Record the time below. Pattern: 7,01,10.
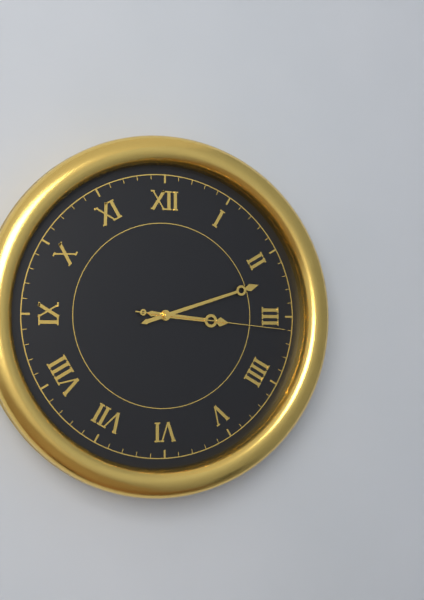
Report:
3,12,16
